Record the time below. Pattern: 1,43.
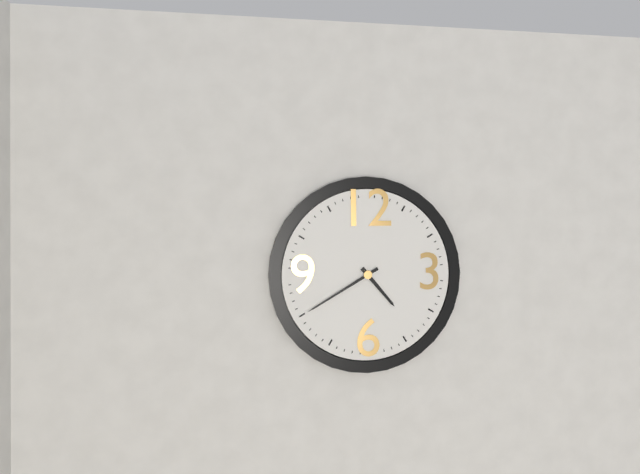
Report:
4,40
